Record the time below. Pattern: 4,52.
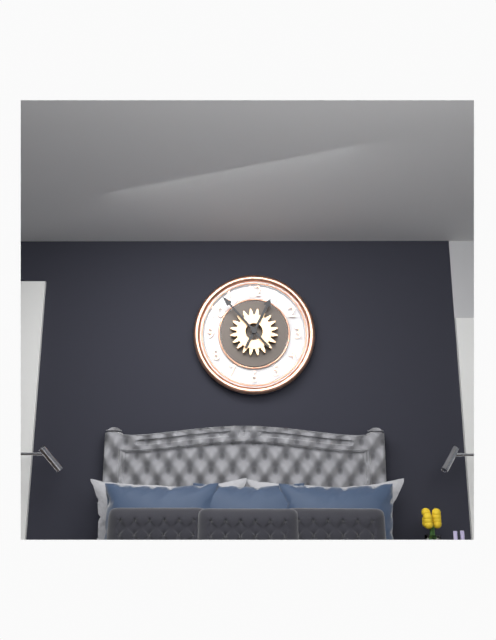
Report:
12,53
